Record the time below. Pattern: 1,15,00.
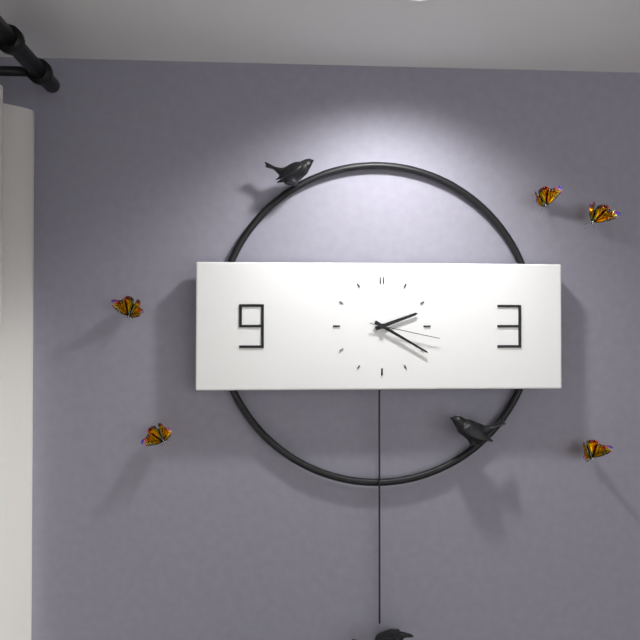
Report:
2,20,17
